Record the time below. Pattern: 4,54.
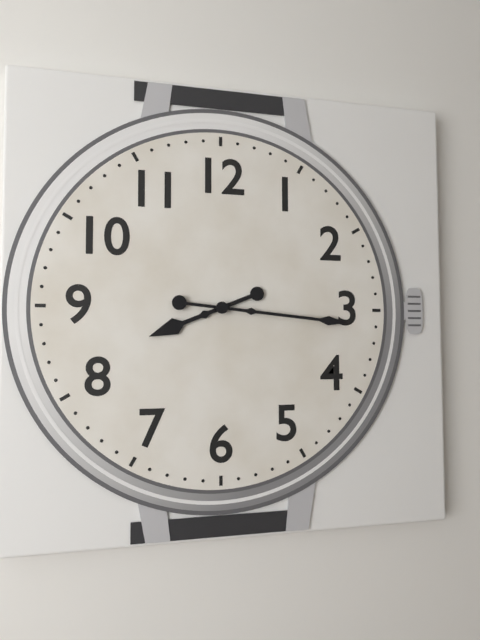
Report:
8,16
